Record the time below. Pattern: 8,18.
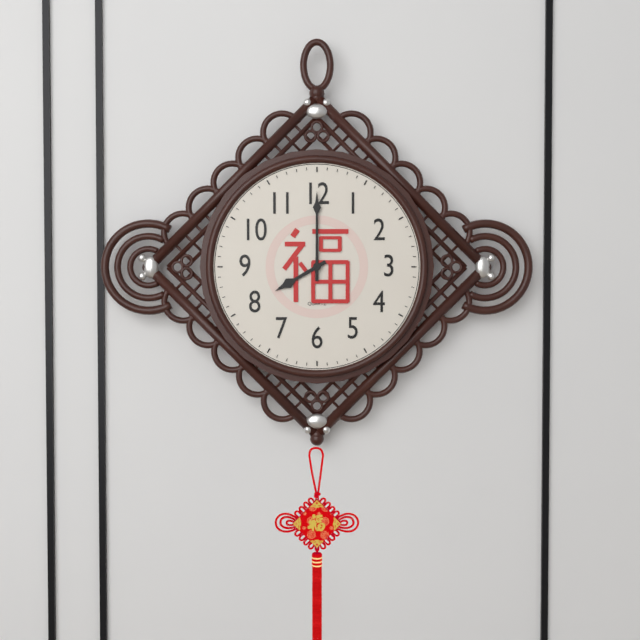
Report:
8,00
